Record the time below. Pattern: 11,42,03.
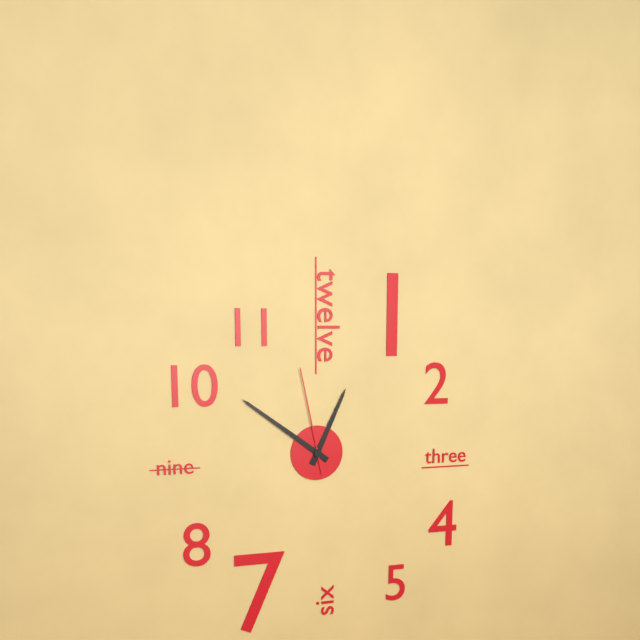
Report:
12,51,58
